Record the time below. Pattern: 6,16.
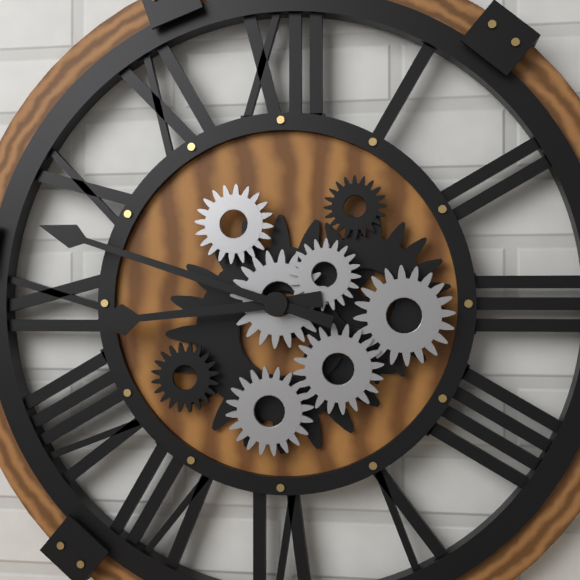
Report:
8,48
